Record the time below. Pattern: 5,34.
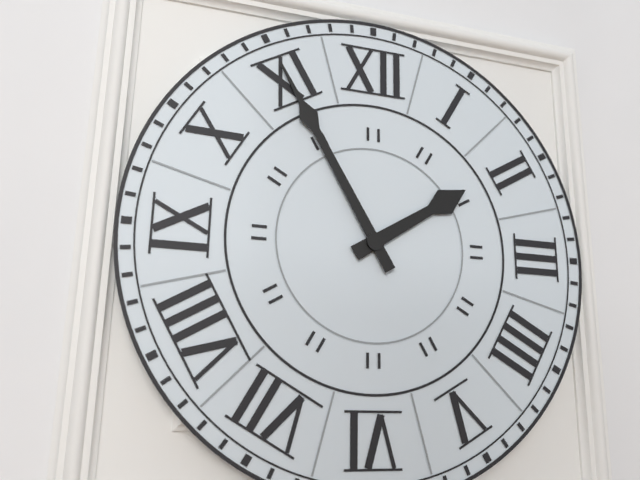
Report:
1,55
